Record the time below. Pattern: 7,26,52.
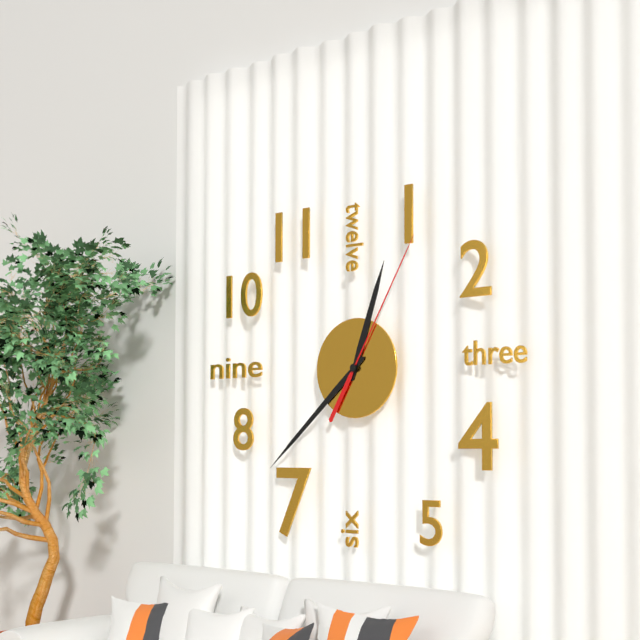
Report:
12,38,05
